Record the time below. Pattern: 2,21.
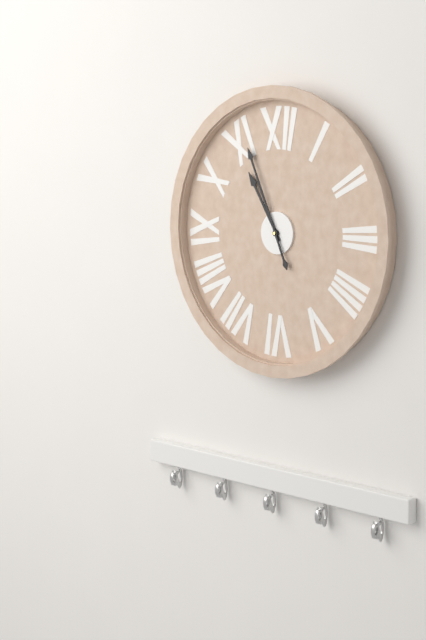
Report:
10,56
